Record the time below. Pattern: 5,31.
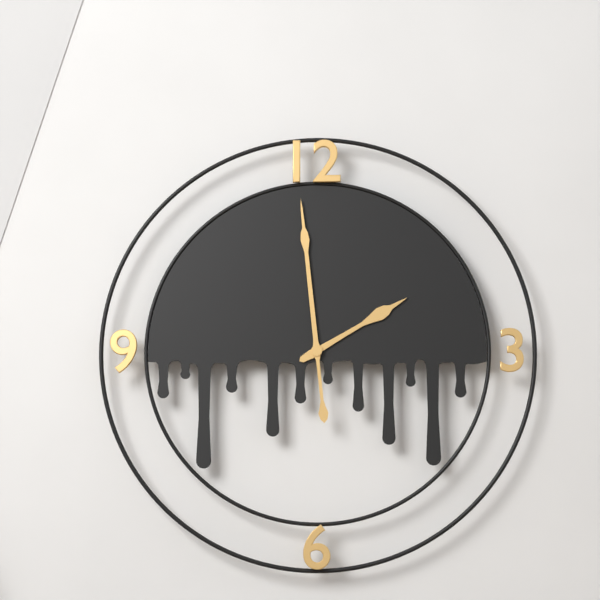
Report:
1,59
